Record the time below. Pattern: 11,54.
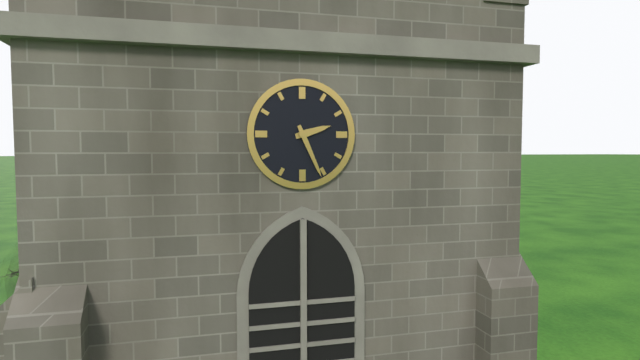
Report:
2,26
